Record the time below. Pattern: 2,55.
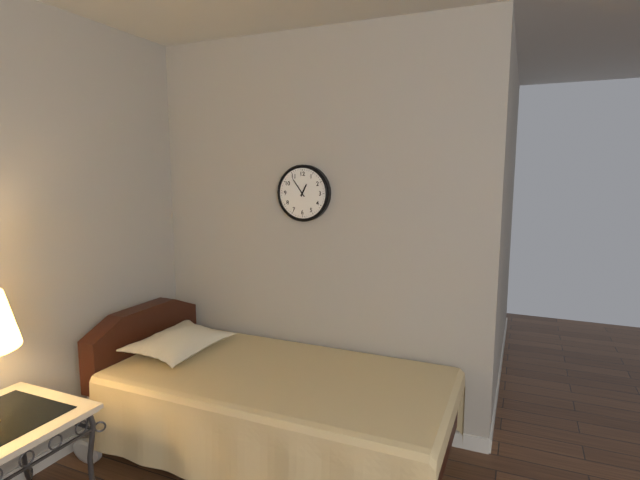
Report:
12,54
